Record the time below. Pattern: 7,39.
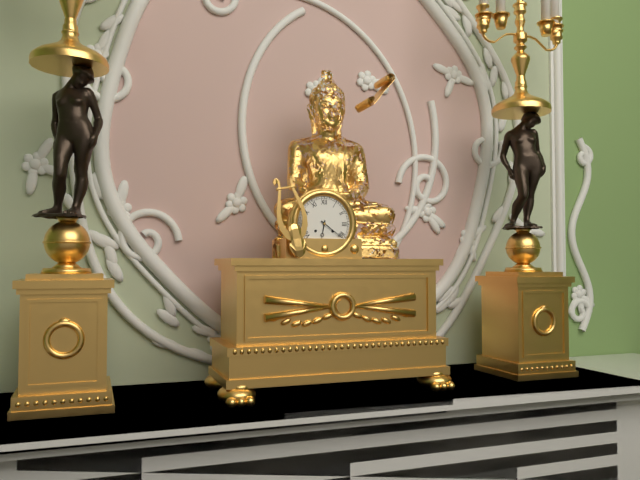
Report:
6,21
